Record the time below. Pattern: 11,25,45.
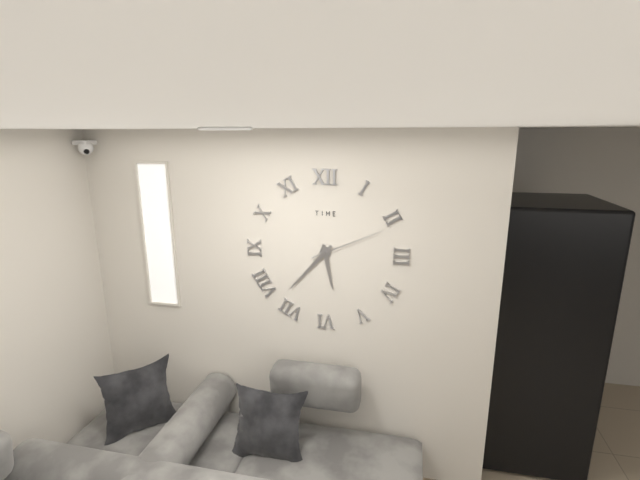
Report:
5,37,11
